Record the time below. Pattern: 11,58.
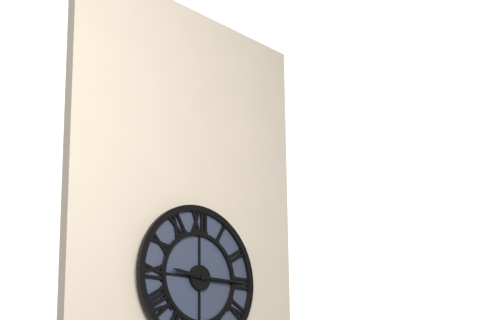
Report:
9,15
